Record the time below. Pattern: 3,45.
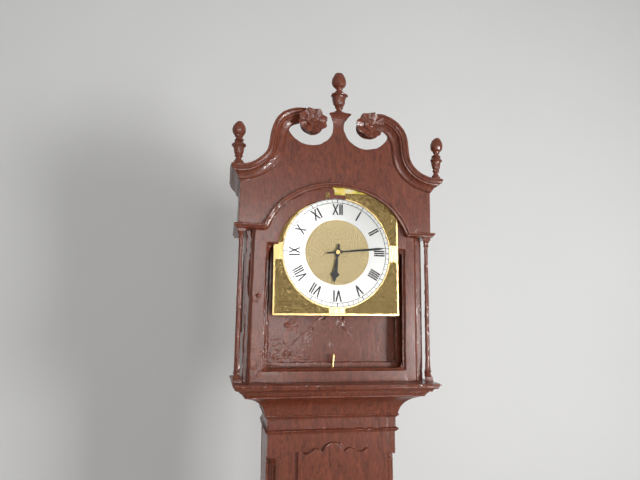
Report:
6,14
